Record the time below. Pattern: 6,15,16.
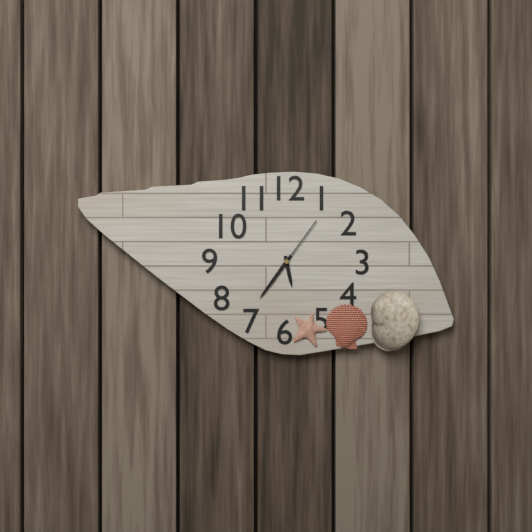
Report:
5,36,06
